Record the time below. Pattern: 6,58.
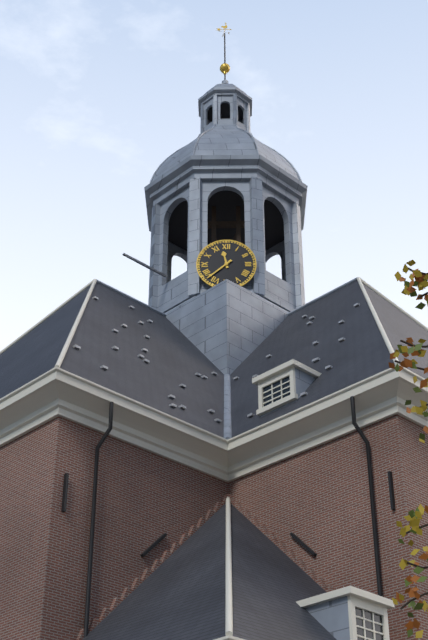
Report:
11,38
